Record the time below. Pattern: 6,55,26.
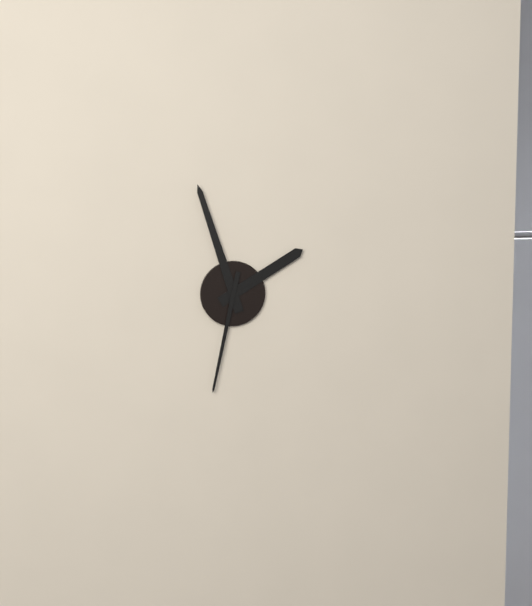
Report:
1,57,32
